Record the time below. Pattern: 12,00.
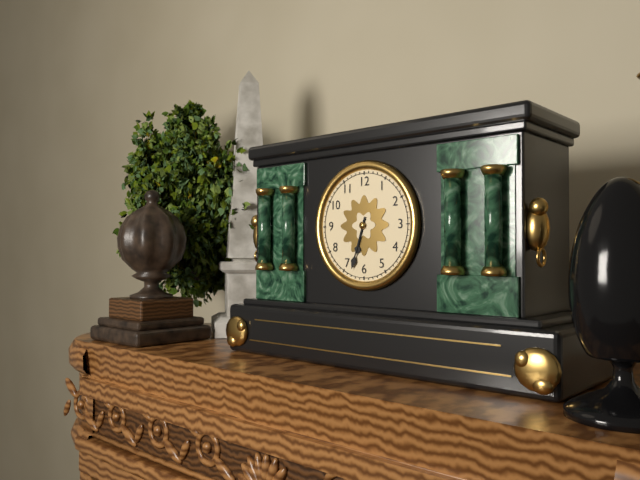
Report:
6,33
